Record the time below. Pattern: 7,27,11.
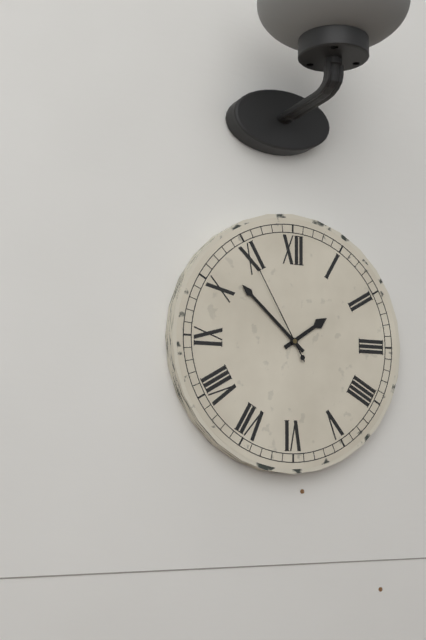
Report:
1,52,55
